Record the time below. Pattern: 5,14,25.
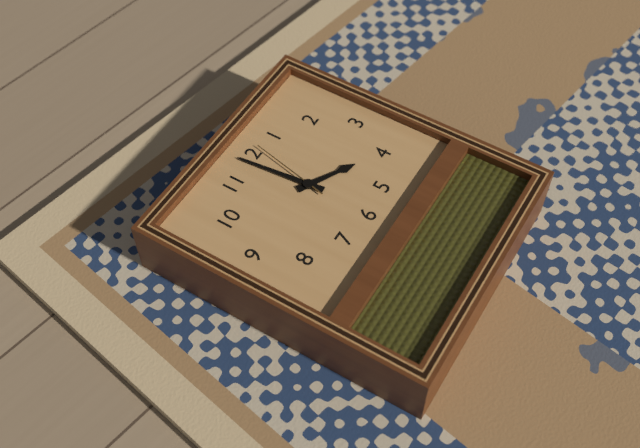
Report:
3,59,02
